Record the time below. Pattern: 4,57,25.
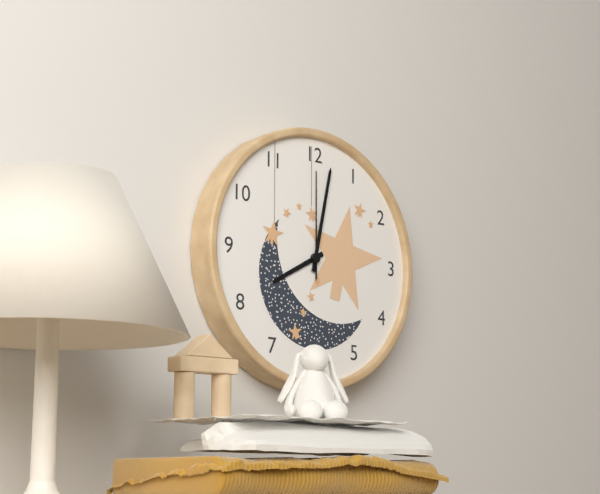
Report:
8,02,00
